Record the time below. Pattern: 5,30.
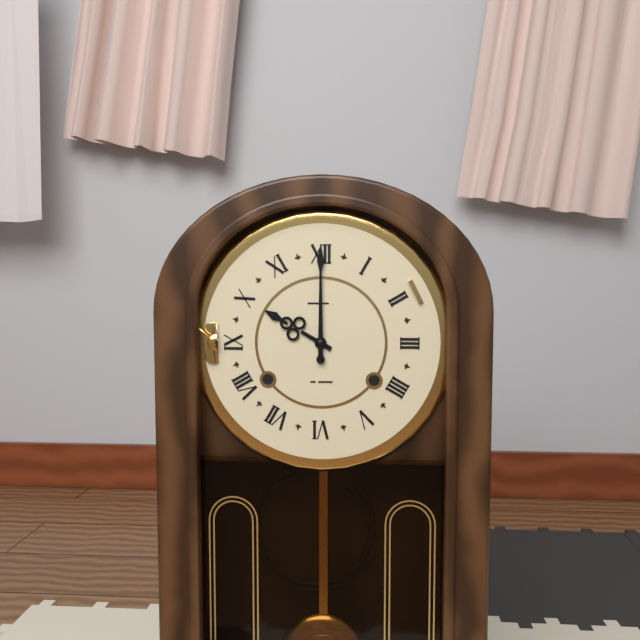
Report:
10,00
